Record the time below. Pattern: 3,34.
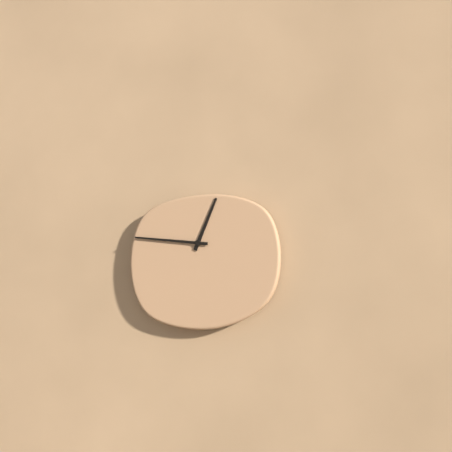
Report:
12,46
